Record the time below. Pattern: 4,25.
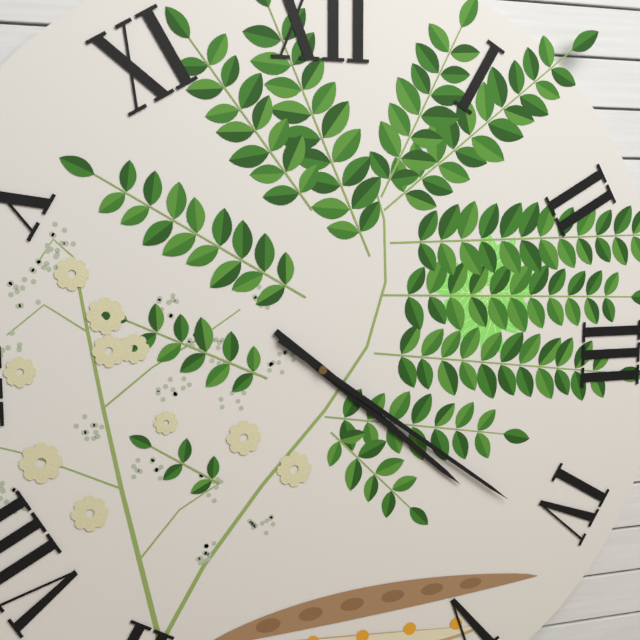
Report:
4,21
